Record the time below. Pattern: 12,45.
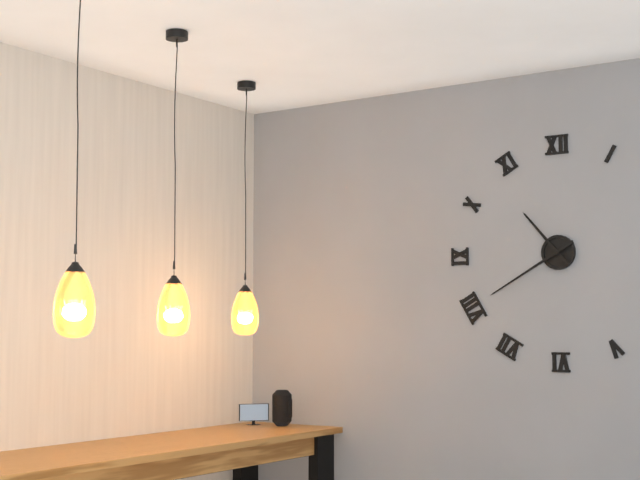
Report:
10,40
